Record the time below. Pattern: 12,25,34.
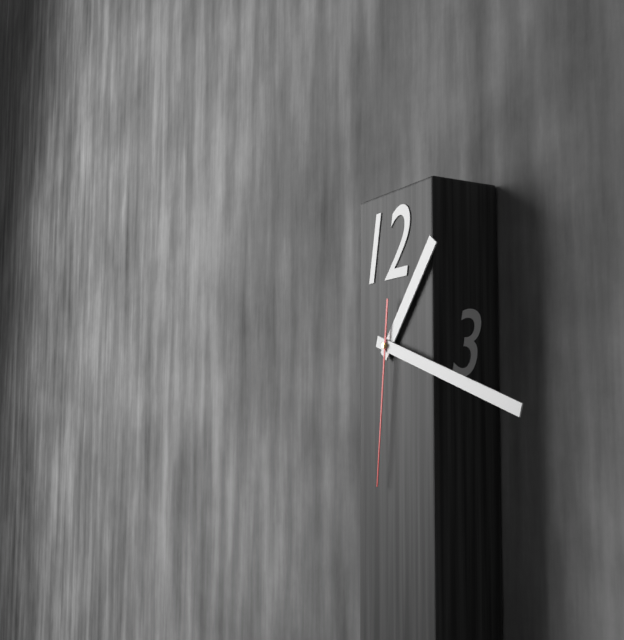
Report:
1,18,31
